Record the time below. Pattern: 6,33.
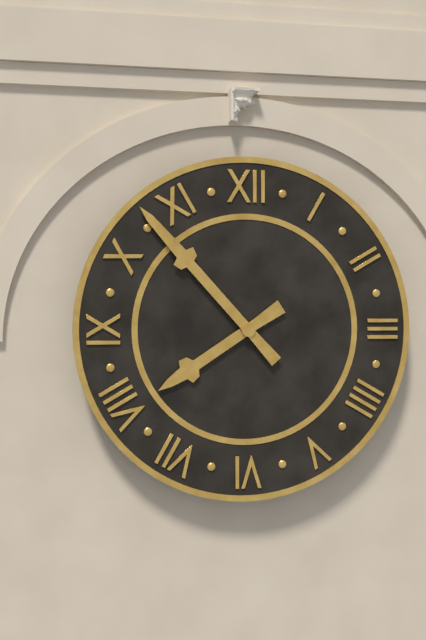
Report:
7,53
